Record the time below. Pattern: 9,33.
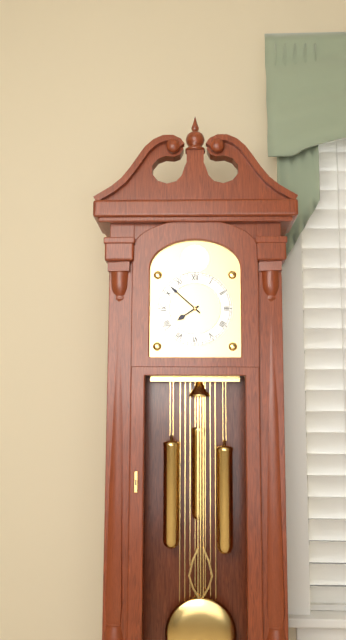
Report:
7,52
